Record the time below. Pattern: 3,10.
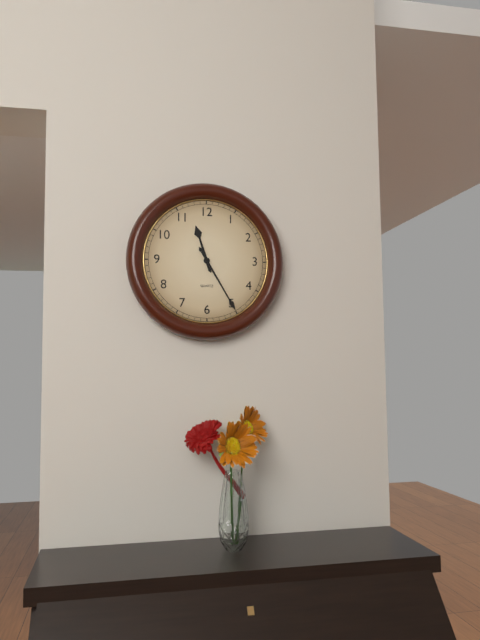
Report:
11,25
